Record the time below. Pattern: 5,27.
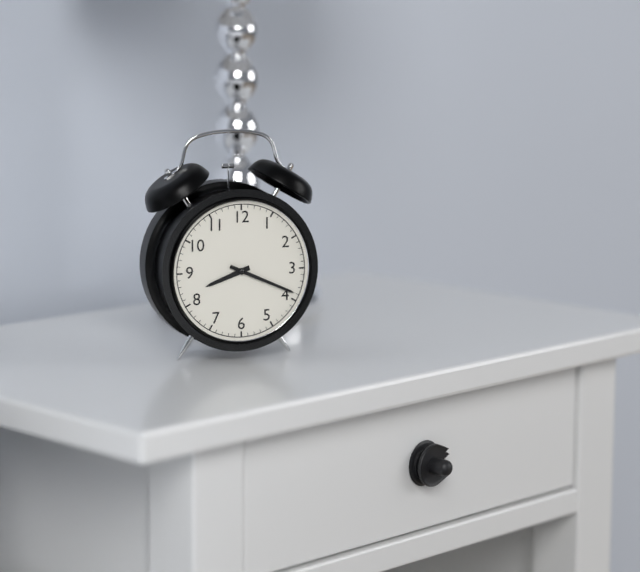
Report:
8,19
